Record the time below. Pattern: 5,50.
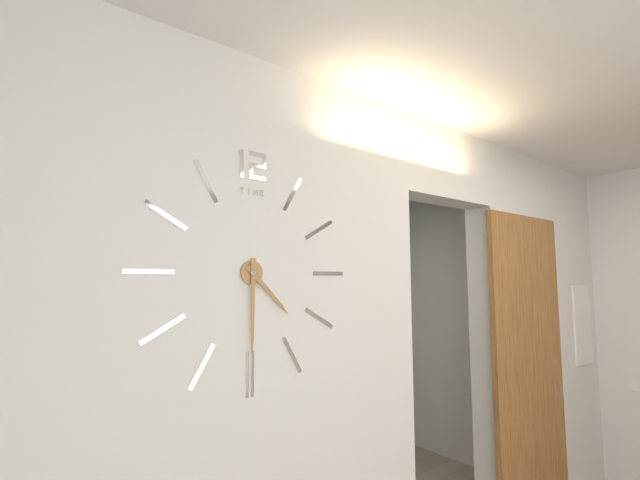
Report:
4,30
